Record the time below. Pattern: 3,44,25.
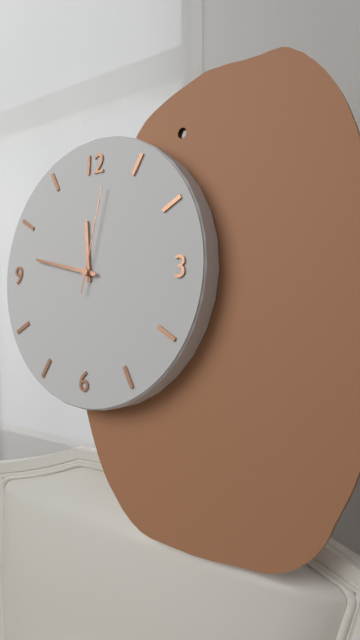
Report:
11,47,02
